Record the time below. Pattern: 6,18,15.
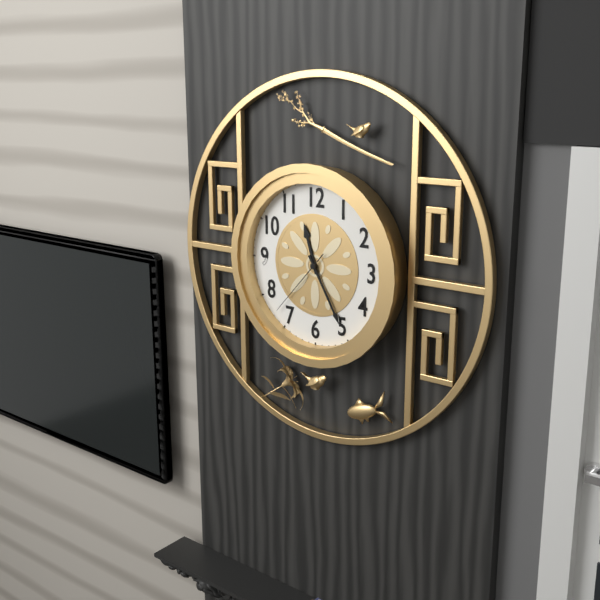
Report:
11,25,37
